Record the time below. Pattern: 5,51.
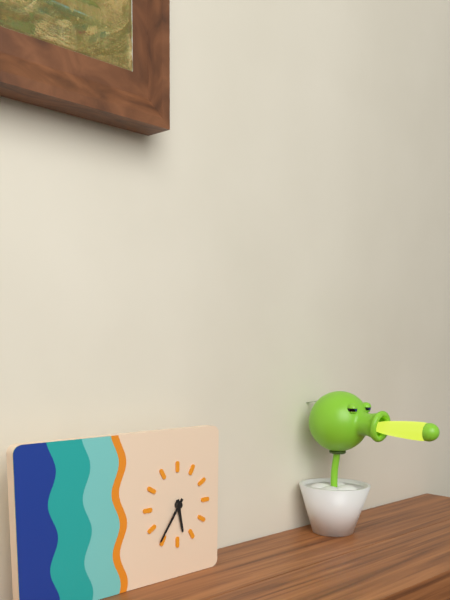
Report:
5,36
